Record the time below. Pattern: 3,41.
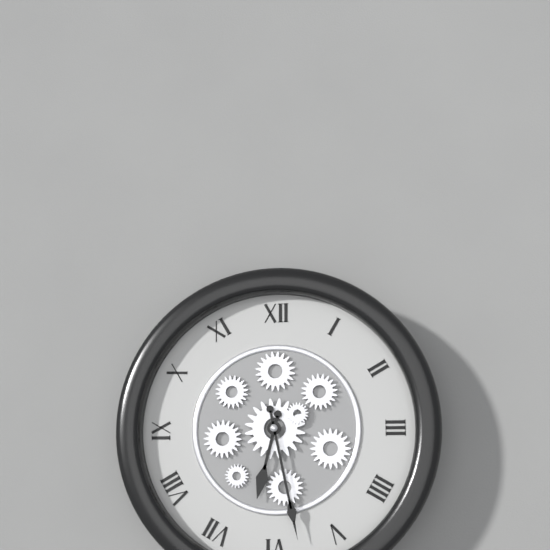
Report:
6,28
